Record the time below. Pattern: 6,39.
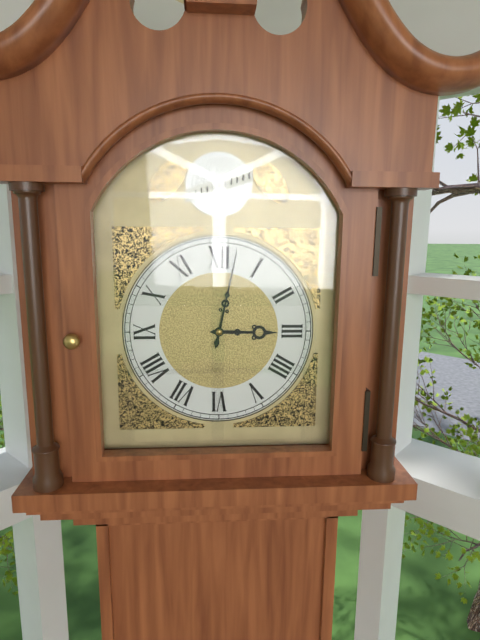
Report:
3,02
